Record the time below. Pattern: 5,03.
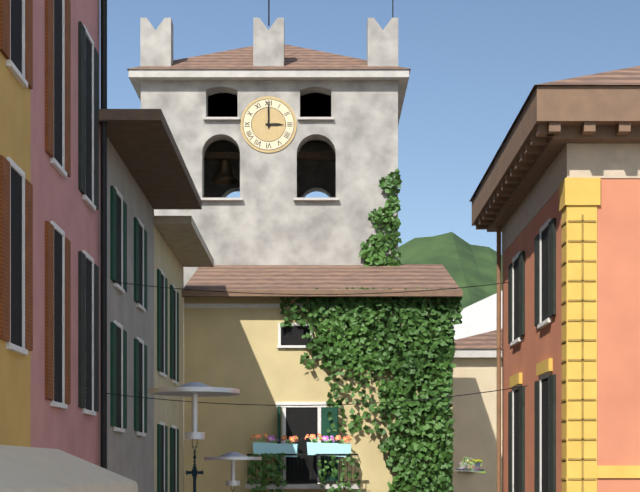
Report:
3,00
